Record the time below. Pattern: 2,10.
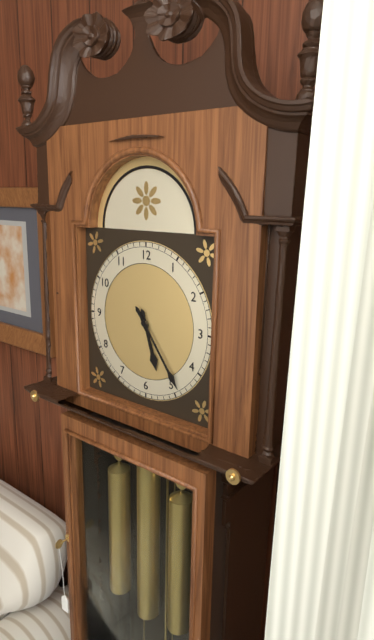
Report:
5,24
